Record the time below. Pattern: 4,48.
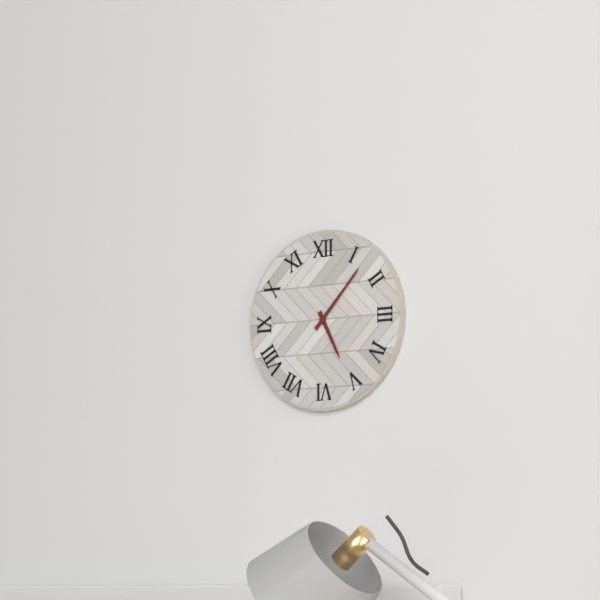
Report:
5,07
